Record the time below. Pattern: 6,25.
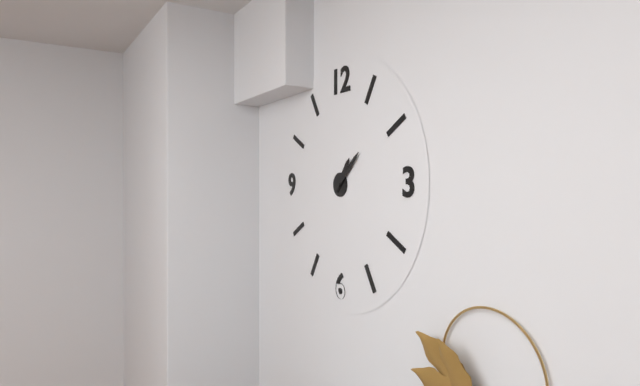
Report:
1,08
